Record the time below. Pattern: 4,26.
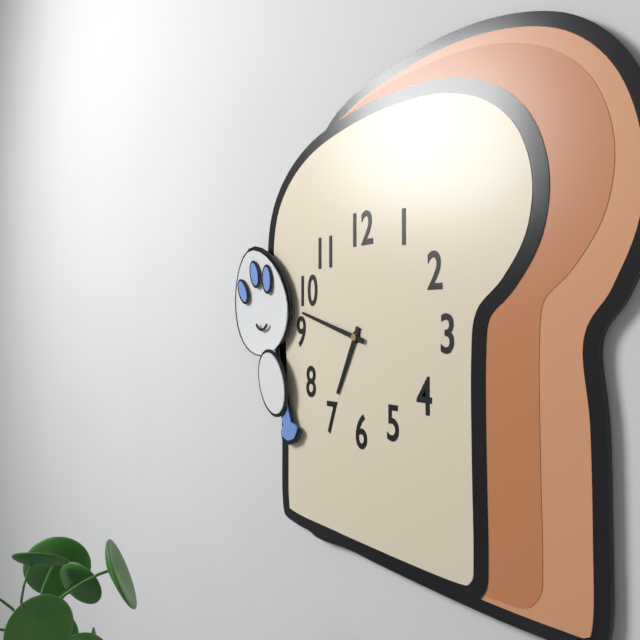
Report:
6,48
